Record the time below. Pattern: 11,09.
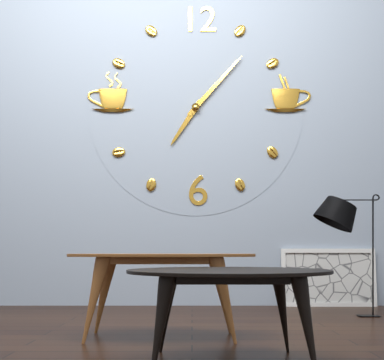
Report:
7,07
